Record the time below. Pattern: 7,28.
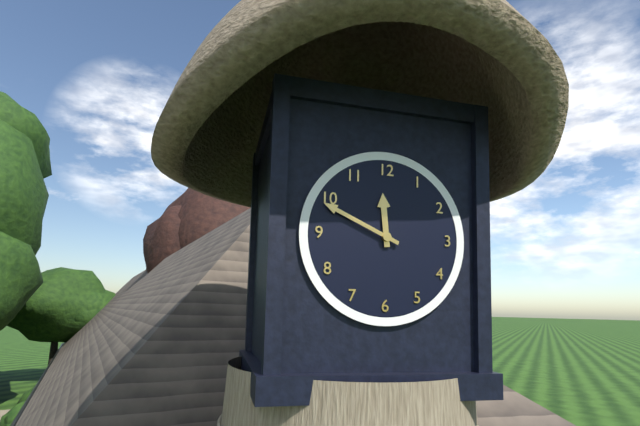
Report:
11,49
